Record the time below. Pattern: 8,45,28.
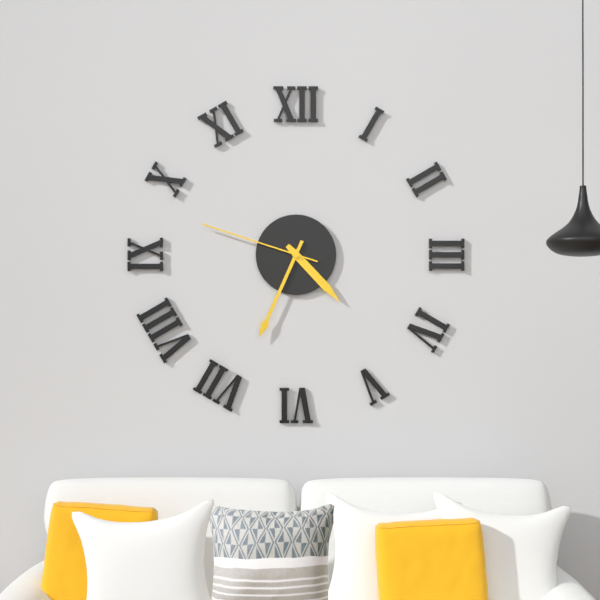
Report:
4,34,48
